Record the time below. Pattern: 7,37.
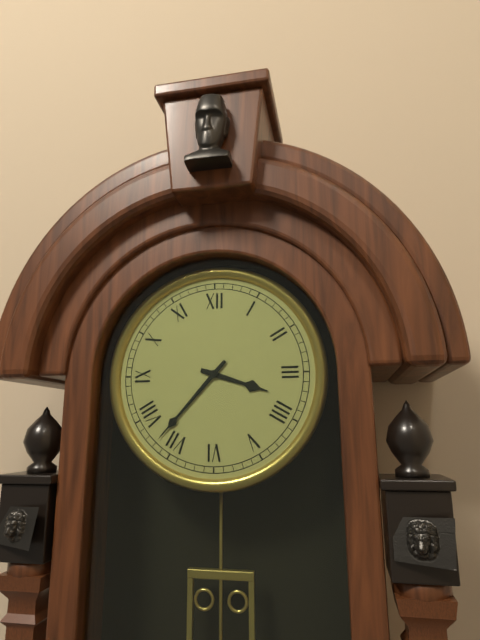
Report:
3,37
